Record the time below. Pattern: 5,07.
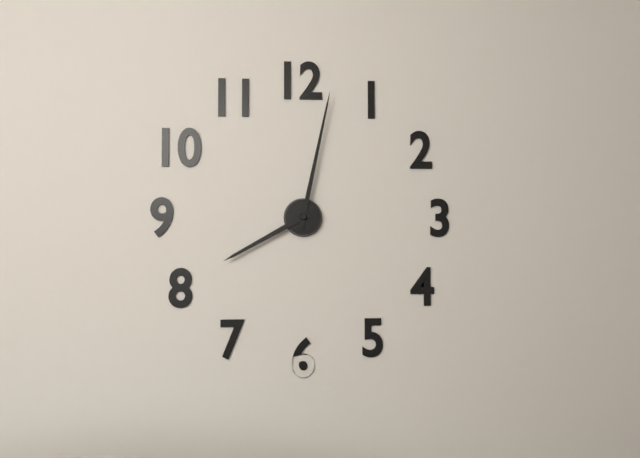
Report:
8,02
